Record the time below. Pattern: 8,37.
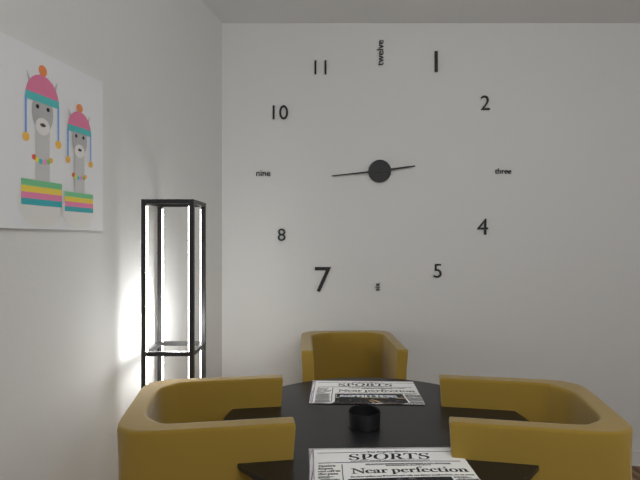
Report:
2,44
